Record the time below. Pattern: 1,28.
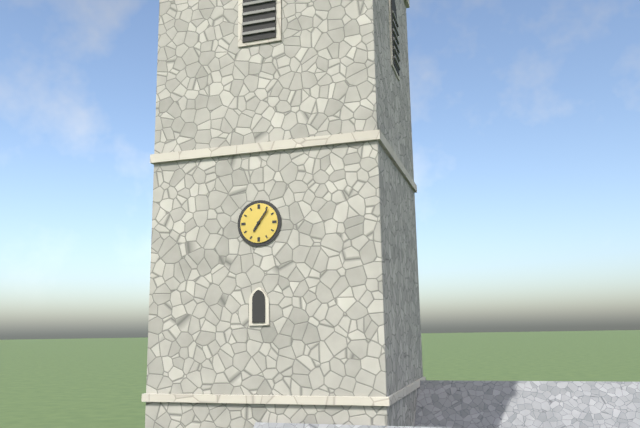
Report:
7,06
